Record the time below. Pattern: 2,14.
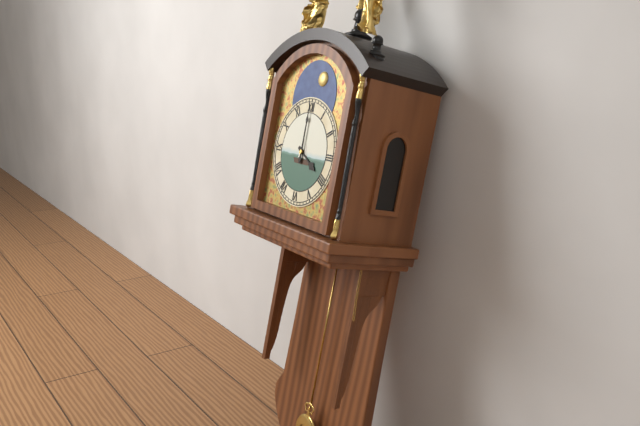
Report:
4,00
